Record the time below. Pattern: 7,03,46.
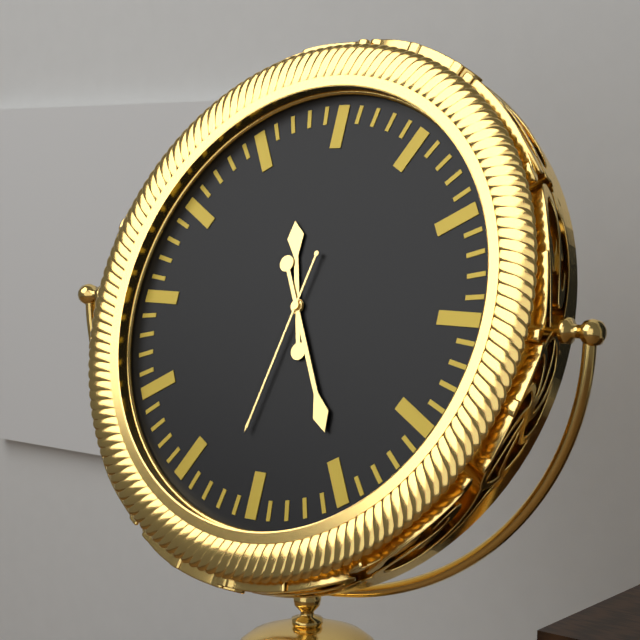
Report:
11,25,32
